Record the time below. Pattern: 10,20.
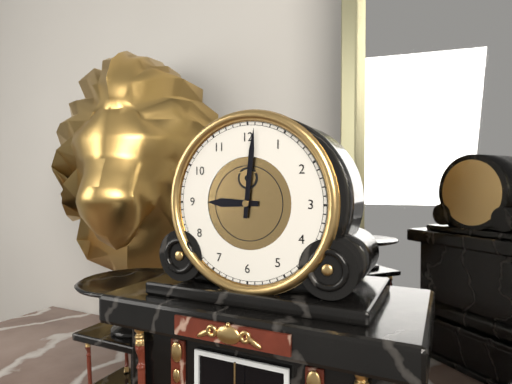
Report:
9,01
